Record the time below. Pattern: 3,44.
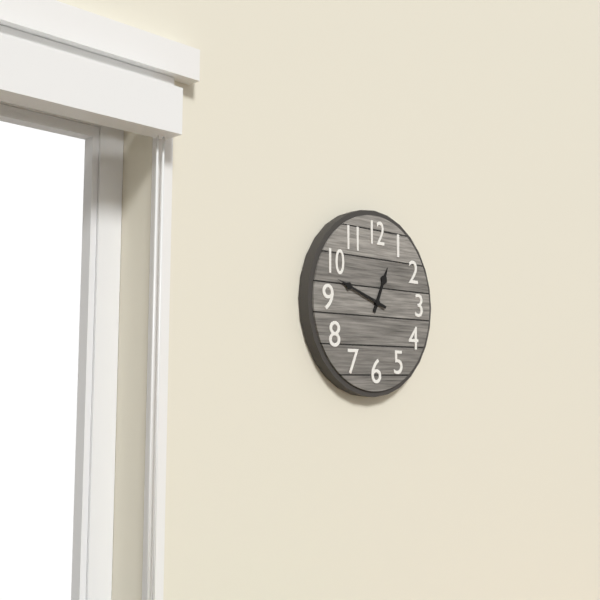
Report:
12,48
